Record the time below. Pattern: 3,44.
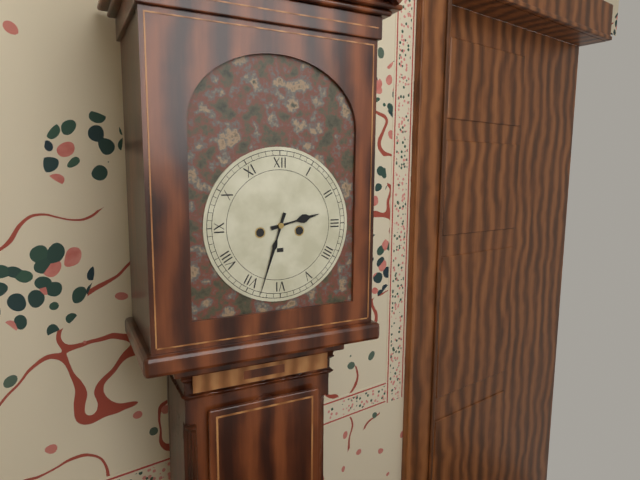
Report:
2,33
